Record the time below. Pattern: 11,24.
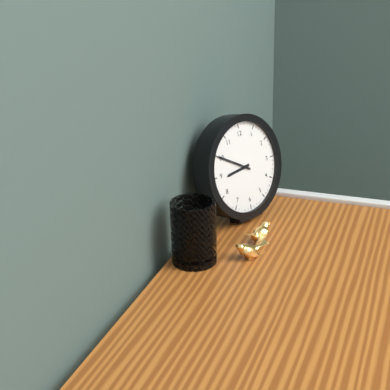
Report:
8,50
